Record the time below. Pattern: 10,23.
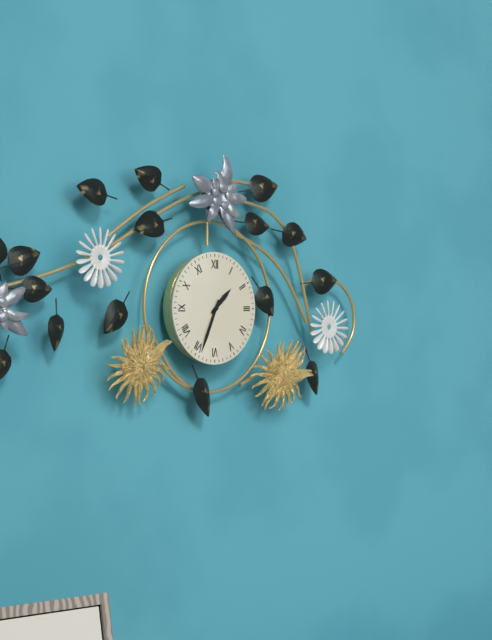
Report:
1,34
